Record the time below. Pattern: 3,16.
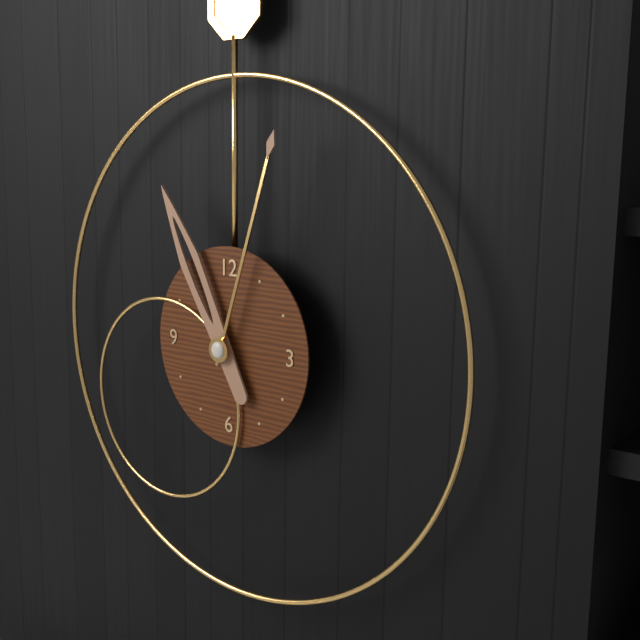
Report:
11,03
